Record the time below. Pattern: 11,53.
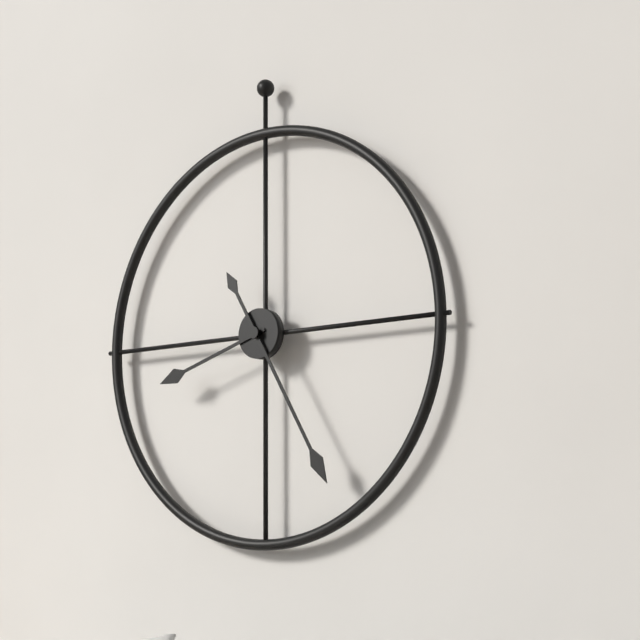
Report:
8,25
